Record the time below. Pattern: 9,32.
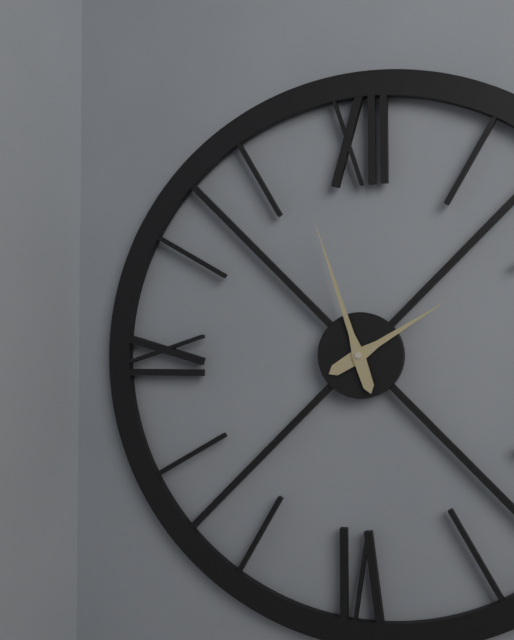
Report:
1,57
